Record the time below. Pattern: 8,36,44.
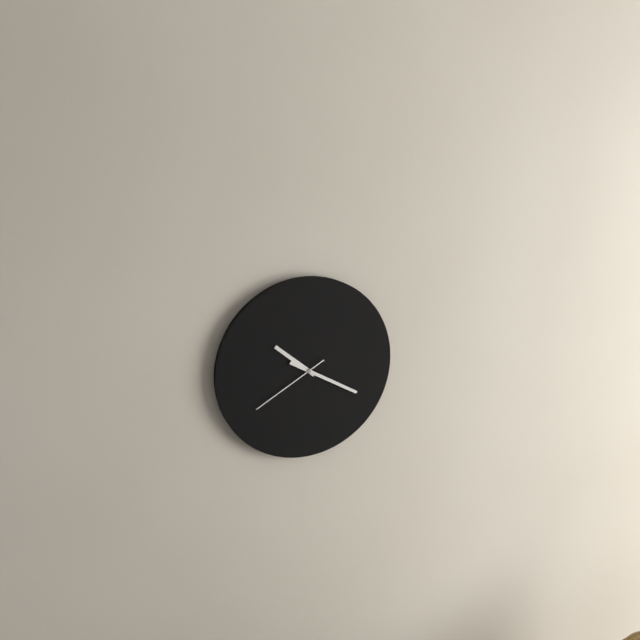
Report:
10,20,40
